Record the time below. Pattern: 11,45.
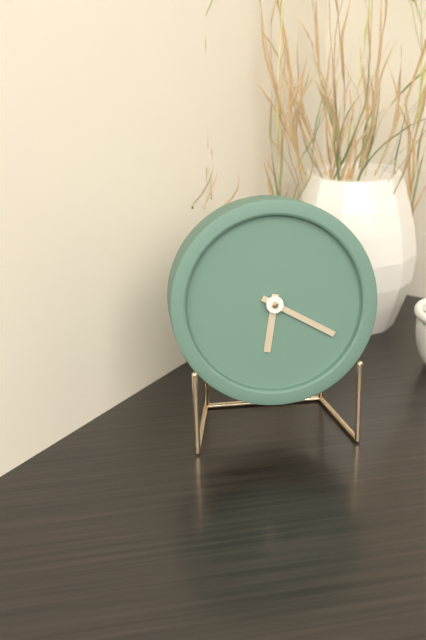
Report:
6,20
